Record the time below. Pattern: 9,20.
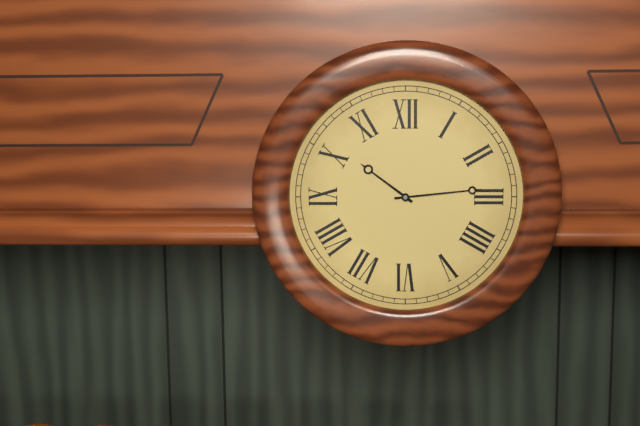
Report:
10,14
